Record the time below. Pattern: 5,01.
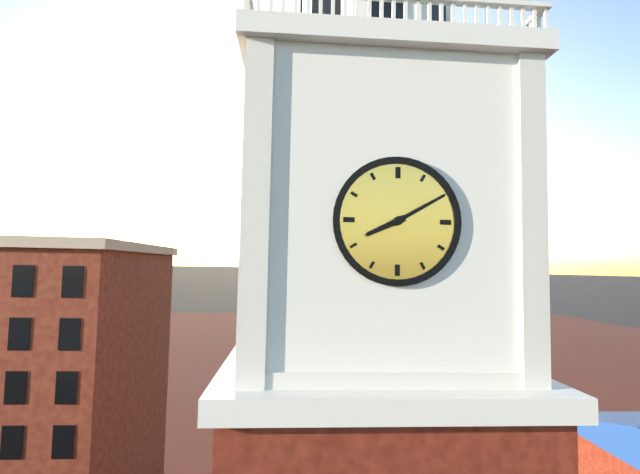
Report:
8,10
